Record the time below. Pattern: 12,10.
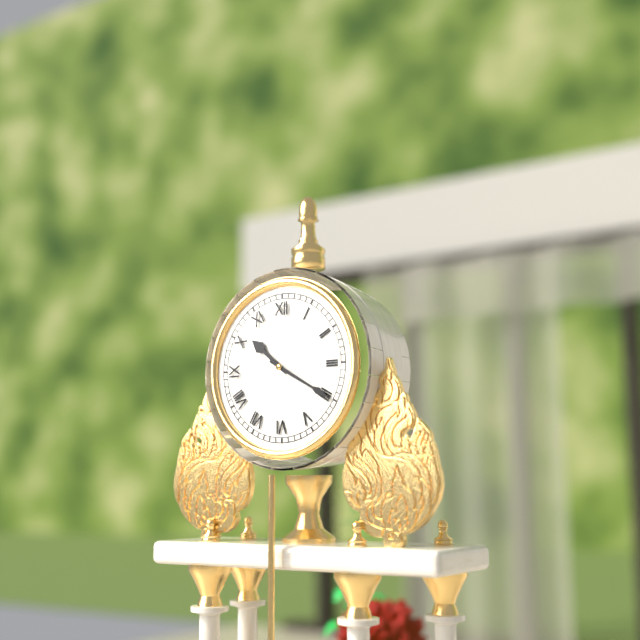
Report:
10,20
